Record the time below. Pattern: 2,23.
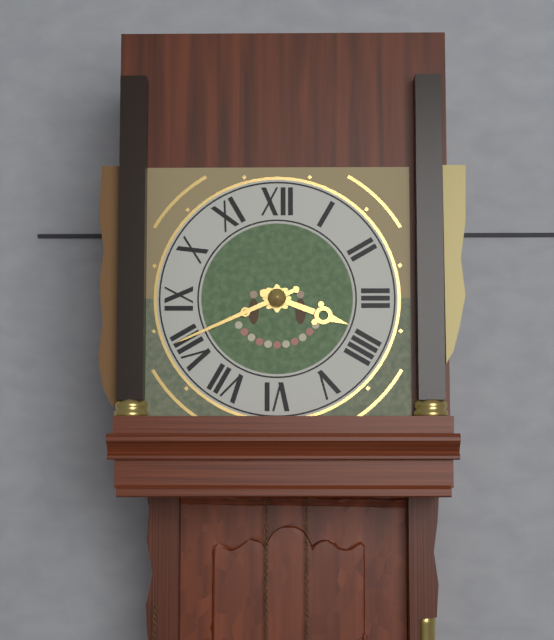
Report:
3,41
